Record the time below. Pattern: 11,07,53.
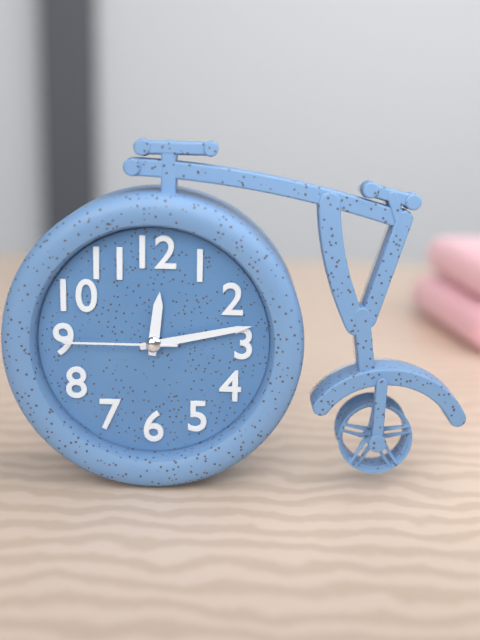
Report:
12,13,45
